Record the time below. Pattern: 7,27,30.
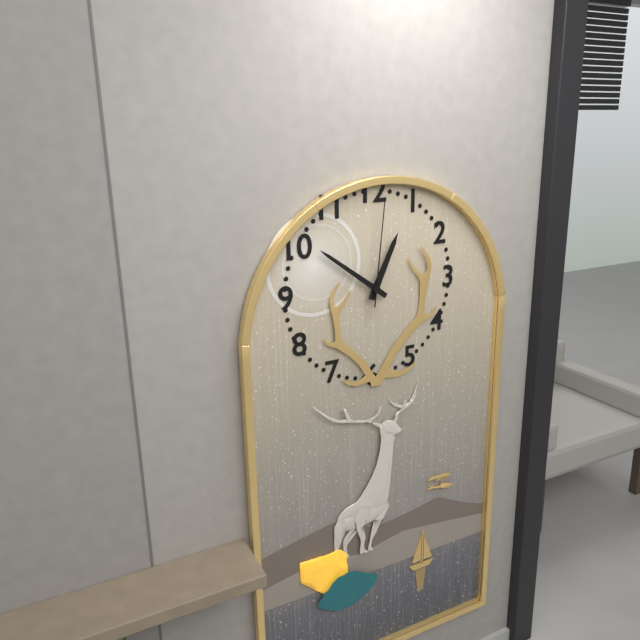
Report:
12,51,01
